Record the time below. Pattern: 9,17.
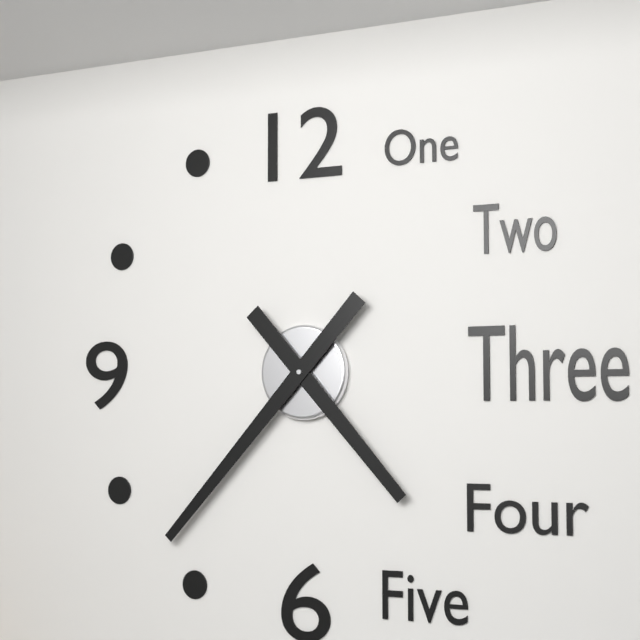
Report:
4,37
